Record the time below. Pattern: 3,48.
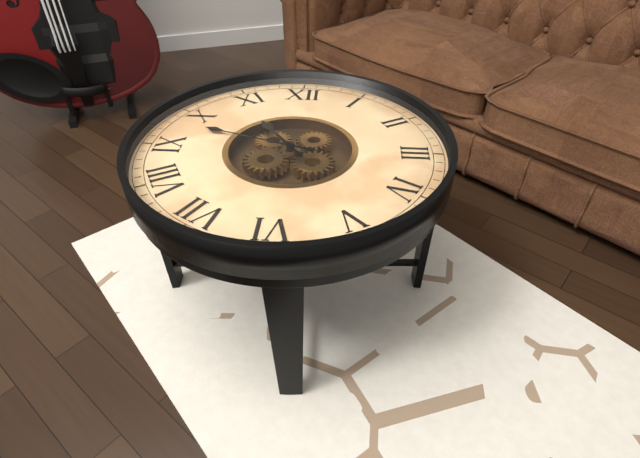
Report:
10,48
